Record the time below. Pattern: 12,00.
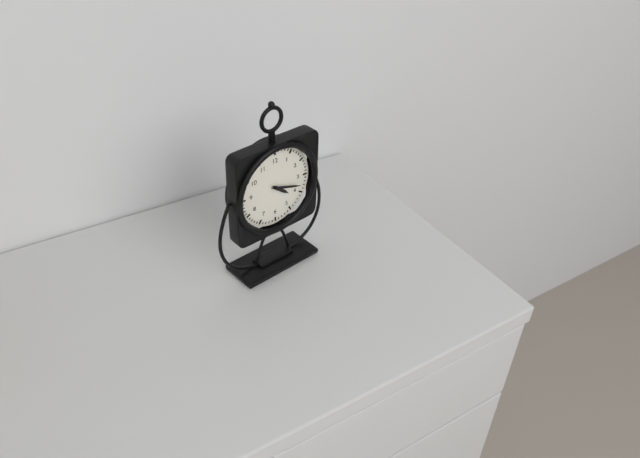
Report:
4,18
